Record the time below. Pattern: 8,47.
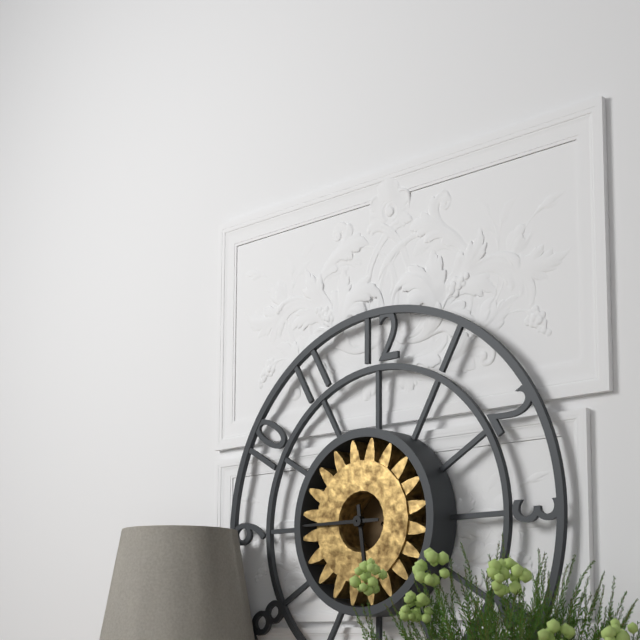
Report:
5,45
